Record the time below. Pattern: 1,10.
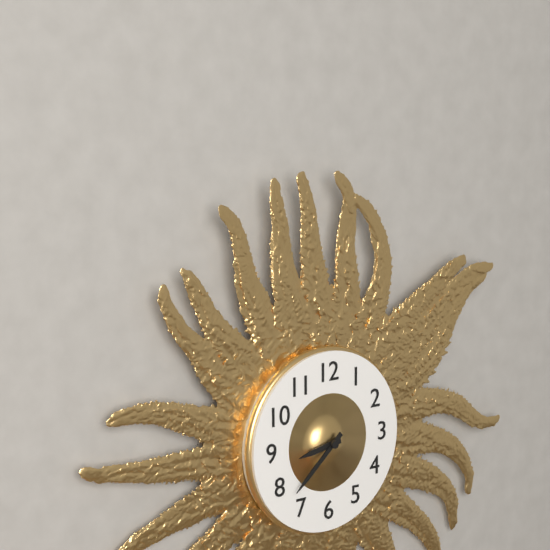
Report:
8,38
